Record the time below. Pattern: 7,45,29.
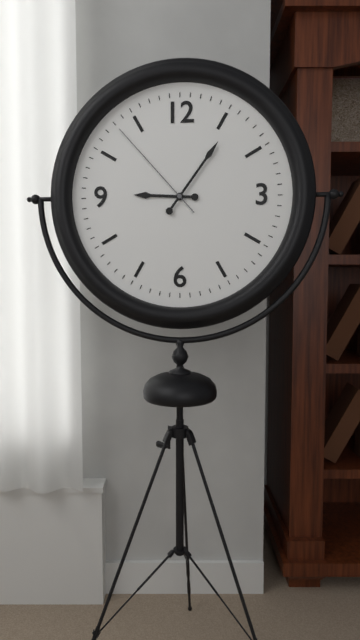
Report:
9,06,53
